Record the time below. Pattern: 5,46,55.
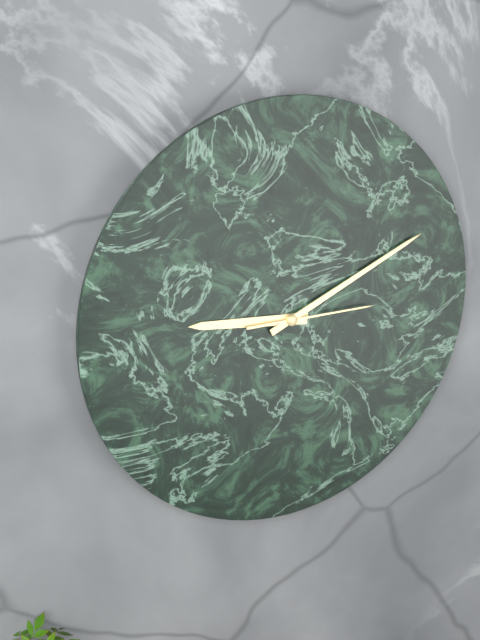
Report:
9,11,15
